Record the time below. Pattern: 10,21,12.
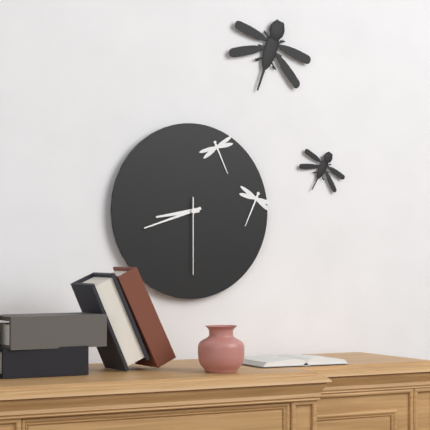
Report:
8,42,30
